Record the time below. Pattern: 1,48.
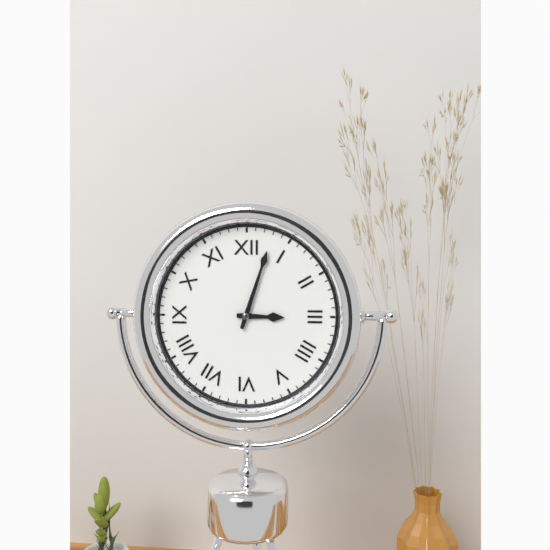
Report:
3,03
